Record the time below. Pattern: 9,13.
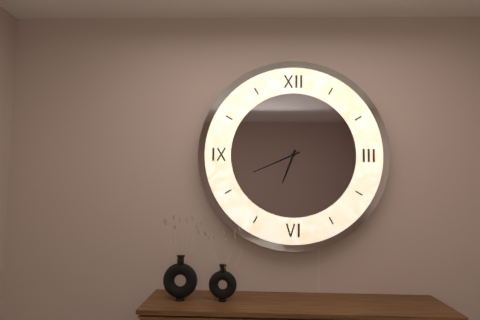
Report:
6,41
